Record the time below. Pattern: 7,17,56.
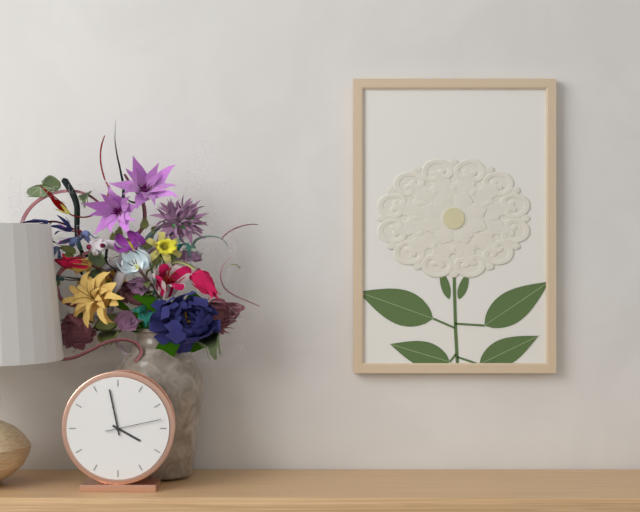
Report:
3,58,13
